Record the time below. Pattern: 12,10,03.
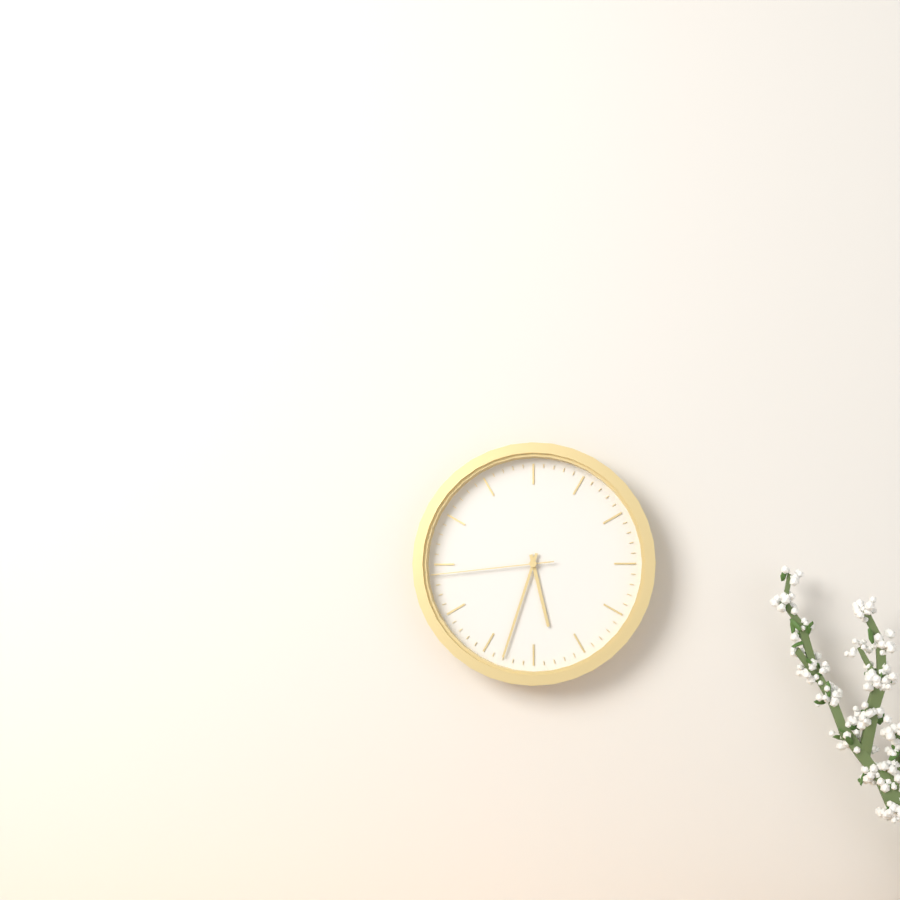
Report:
5,33,44
